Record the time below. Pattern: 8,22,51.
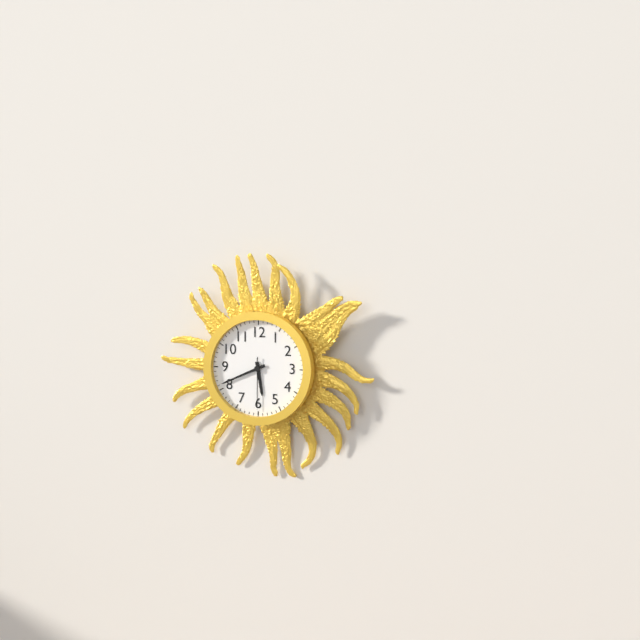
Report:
5,41,30
